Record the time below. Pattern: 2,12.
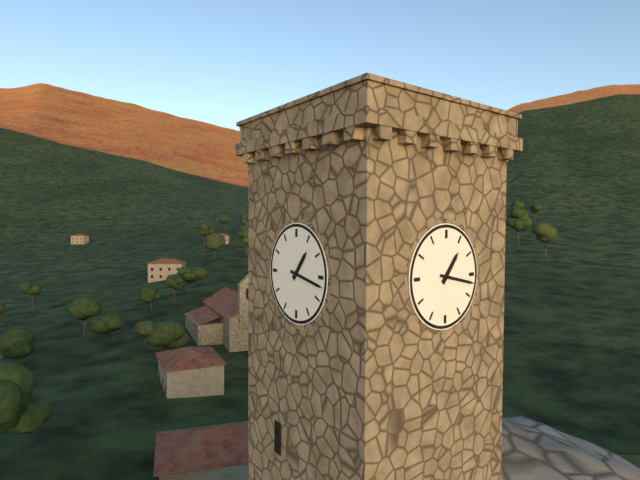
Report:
1,17
